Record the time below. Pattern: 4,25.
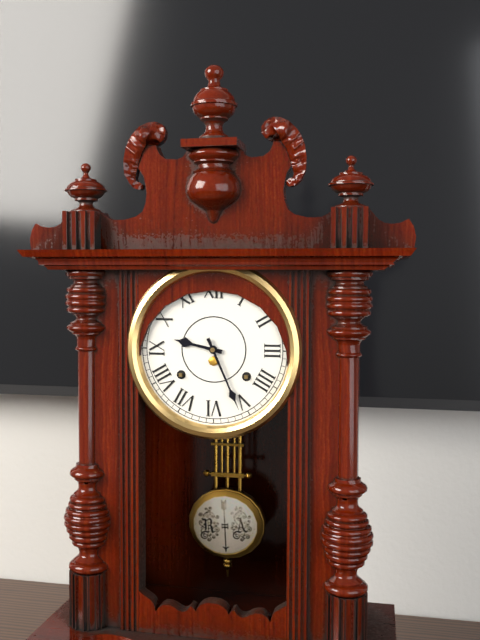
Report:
9,26
